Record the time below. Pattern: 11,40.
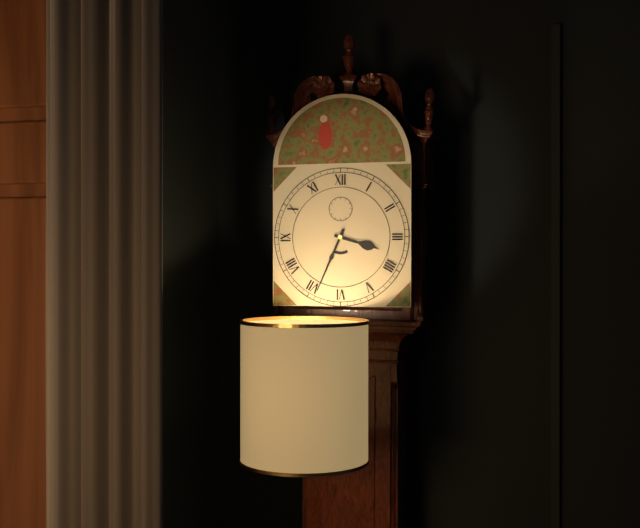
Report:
3,34
